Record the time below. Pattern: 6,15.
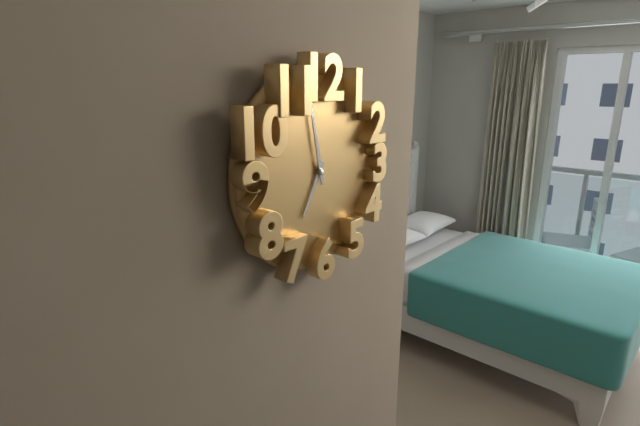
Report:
6,58
